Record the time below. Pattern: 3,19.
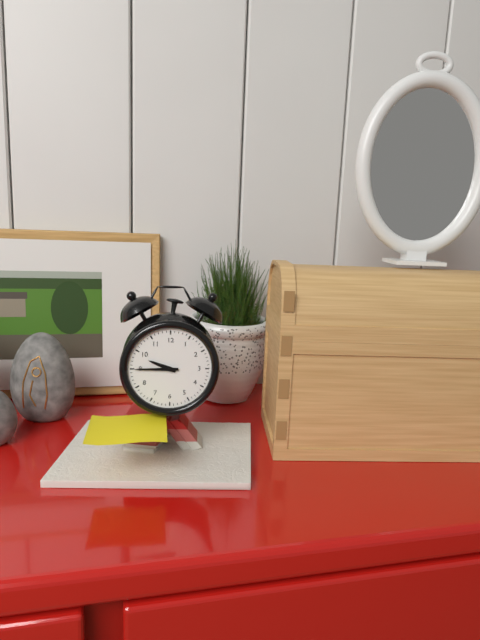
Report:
9,45
